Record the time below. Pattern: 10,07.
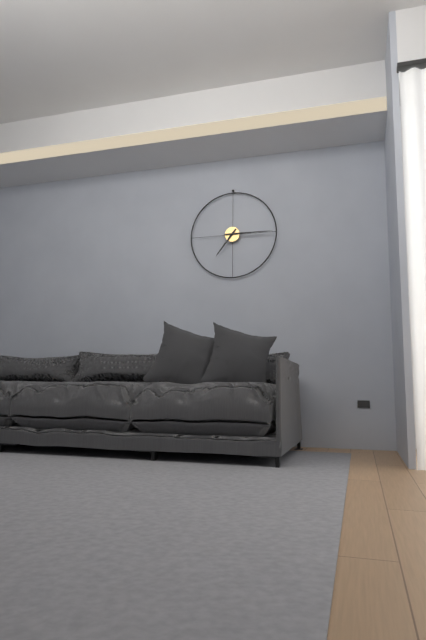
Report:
7,15
